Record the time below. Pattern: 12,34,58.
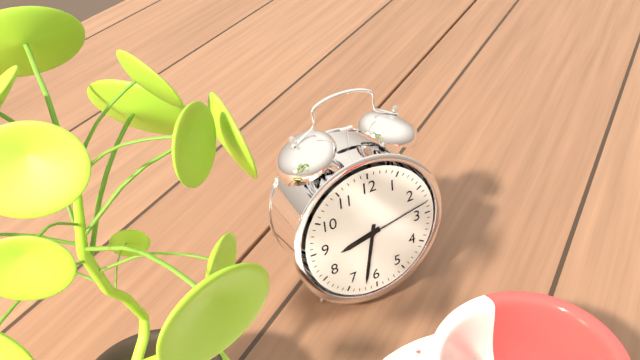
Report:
8,32,13
